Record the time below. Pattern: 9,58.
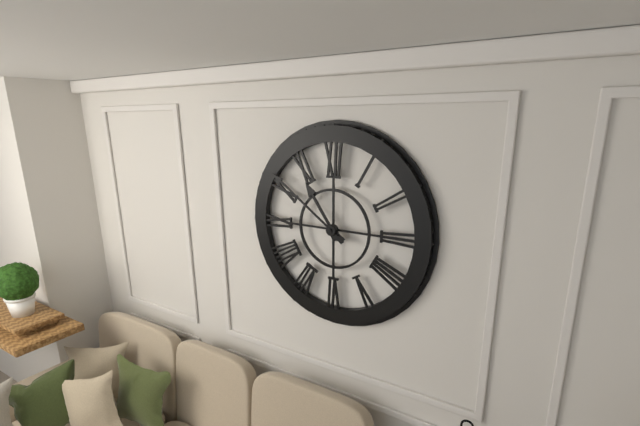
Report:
10,51
